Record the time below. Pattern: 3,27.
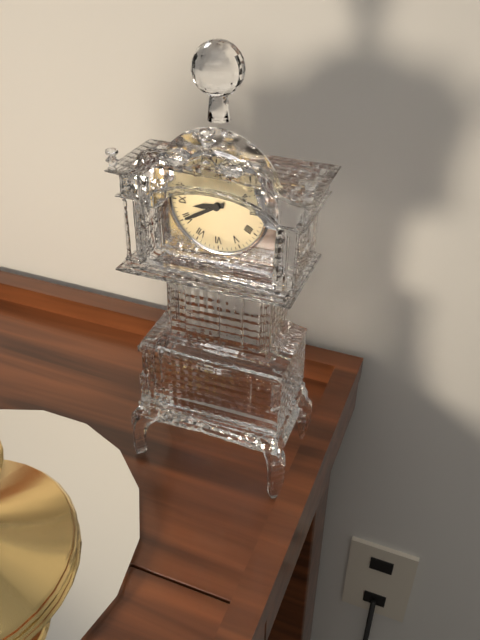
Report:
8,40
